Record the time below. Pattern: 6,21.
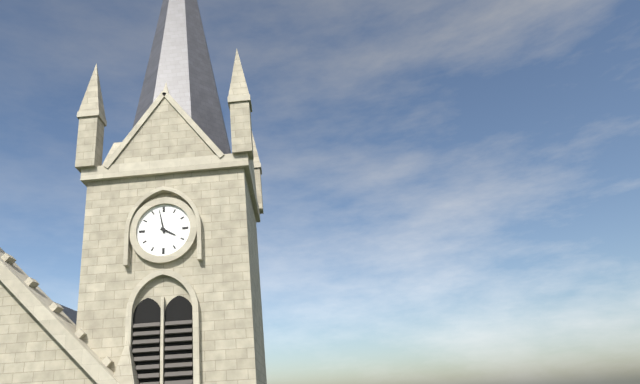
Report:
3,58
